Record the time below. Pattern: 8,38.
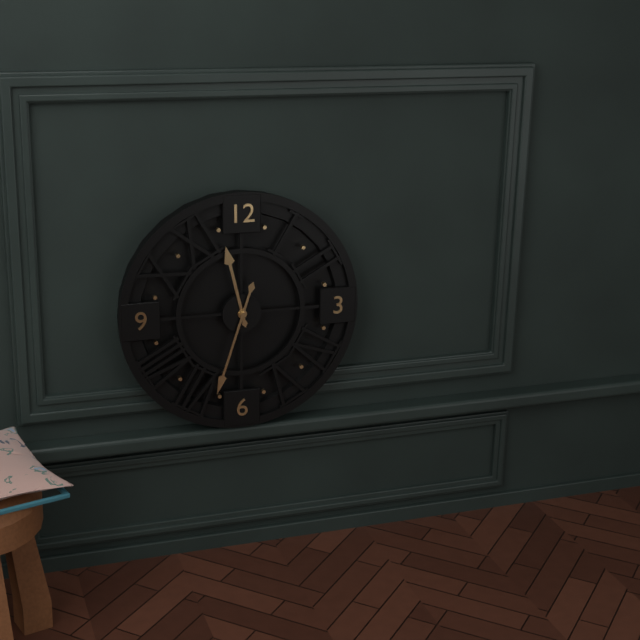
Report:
11,33
